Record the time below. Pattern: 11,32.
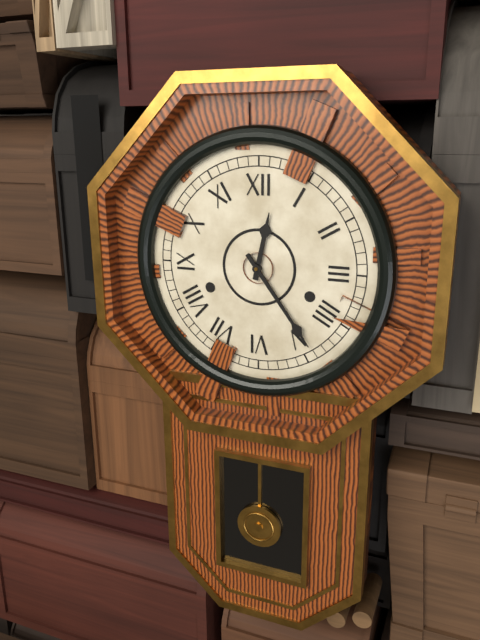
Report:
12,24
